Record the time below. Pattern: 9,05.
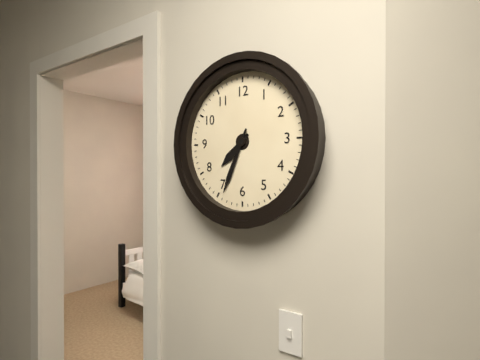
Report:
7,34
